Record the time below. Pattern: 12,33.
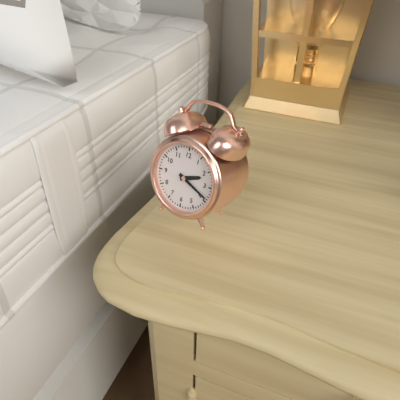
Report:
2,19
